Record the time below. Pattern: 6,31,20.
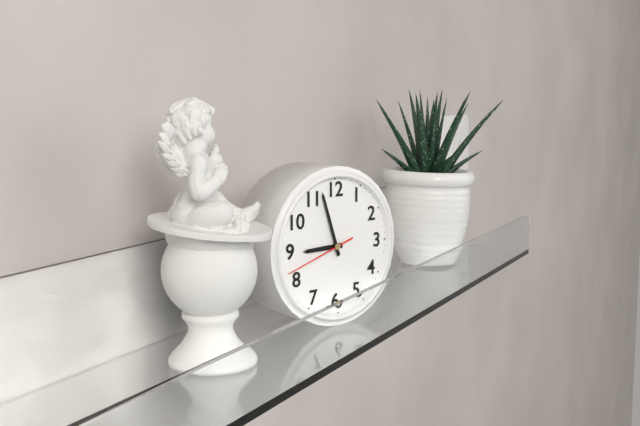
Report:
8,57,42
